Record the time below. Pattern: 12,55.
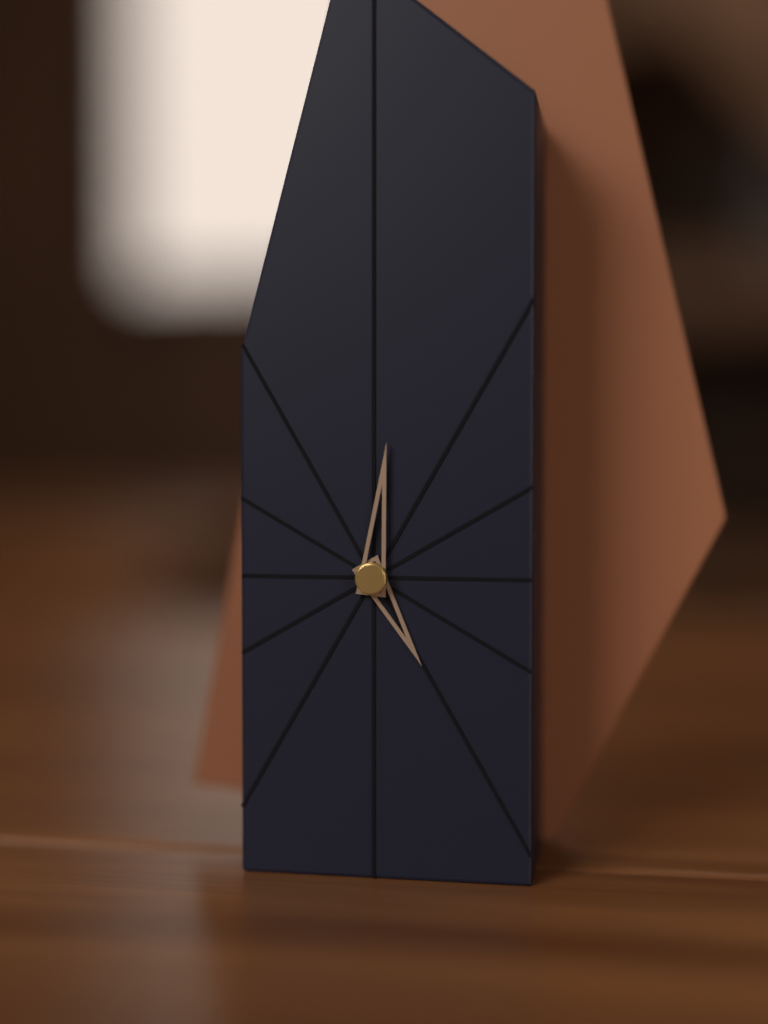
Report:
5,01
